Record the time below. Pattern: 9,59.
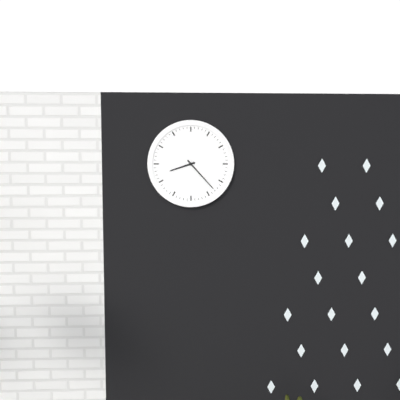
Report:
8,23
